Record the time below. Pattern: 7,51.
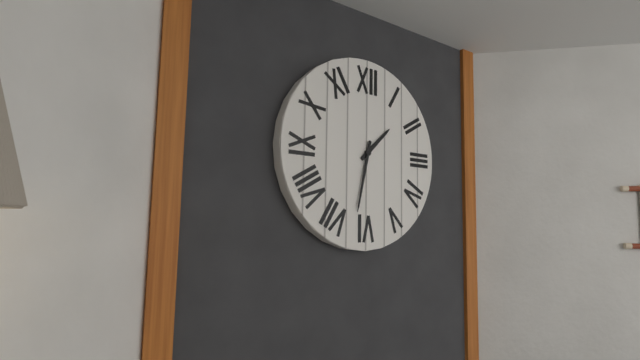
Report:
1,32
